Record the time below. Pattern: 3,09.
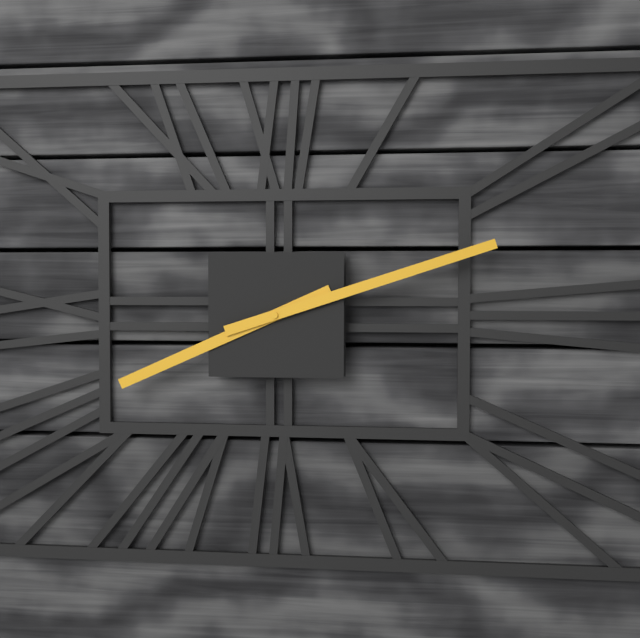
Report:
8,12
